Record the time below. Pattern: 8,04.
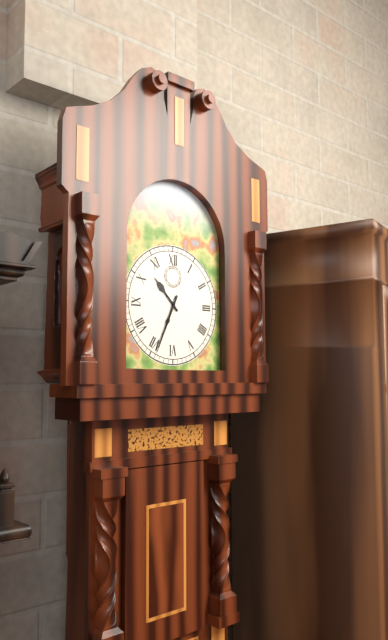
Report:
10,34
